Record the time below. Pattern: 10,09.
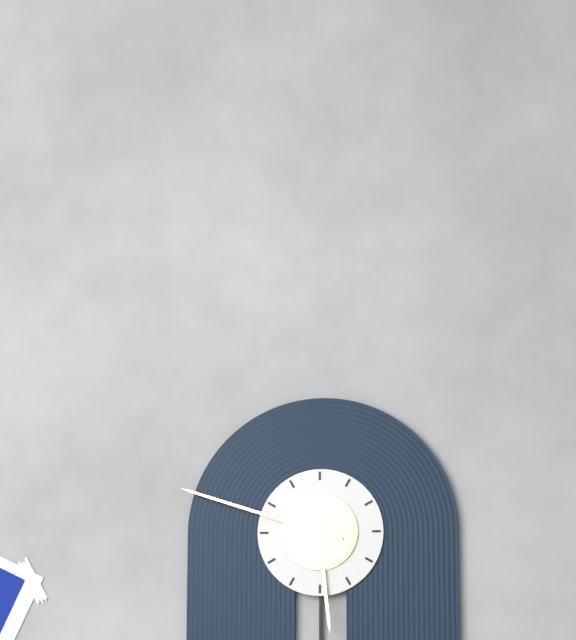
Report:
5,48
